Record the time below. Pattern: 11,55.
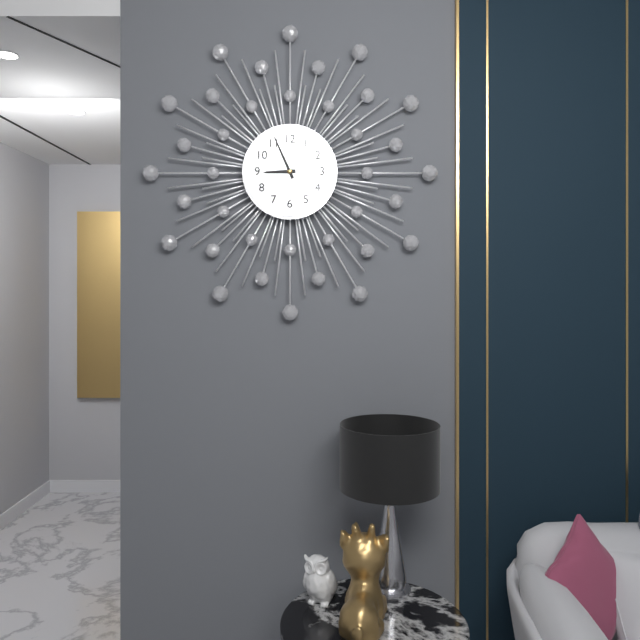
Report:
8,56
